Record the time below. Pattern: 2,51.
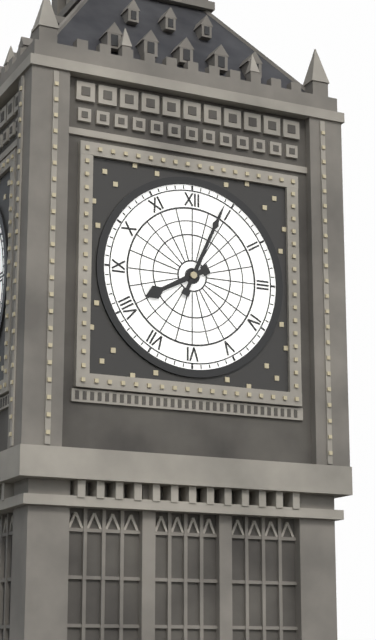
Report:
8,04
